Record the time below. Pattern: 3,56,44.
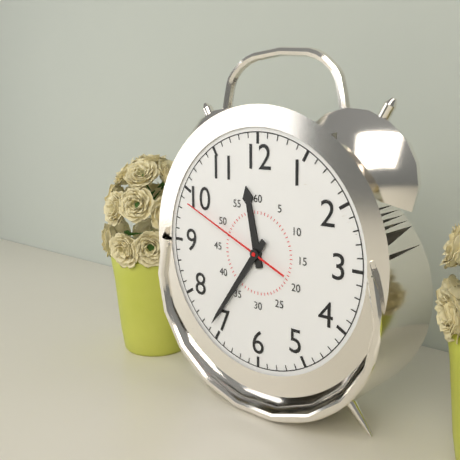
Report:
11,36,49
